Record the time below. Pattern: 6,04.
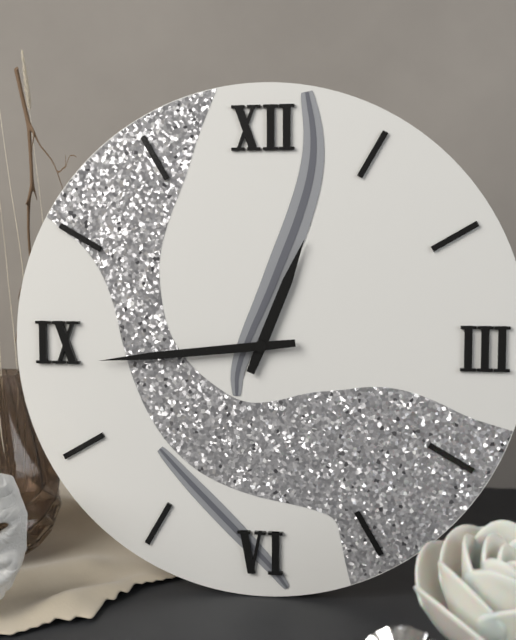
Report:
12,44
